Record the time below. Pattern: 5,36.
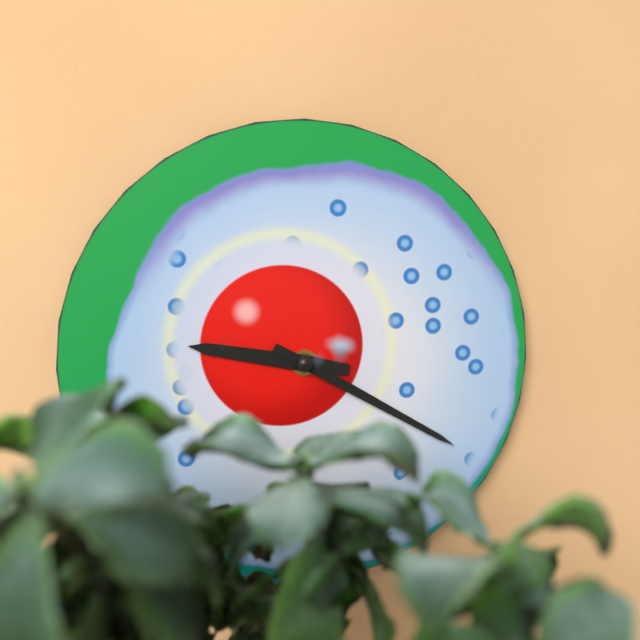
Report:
9,20
